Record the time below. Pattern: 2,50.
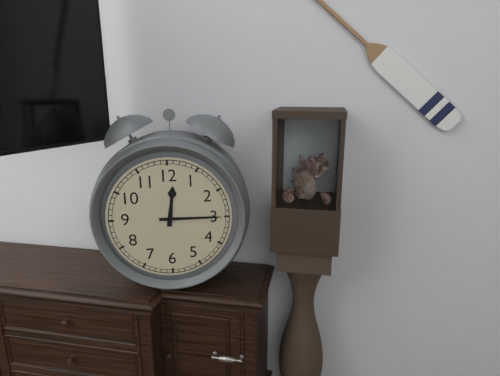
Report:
12,15
